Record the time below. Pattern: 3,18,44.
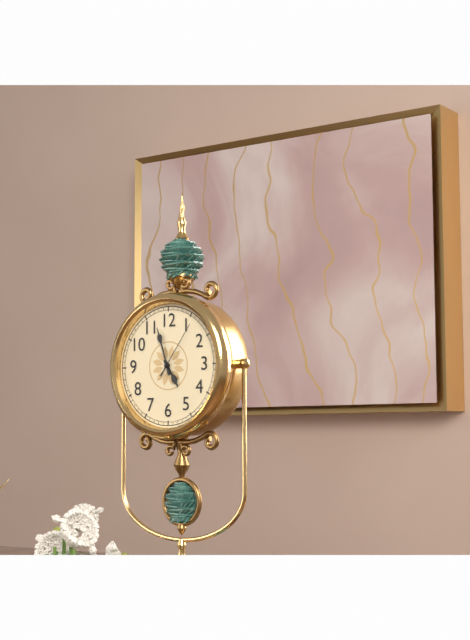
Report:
4,57,06
